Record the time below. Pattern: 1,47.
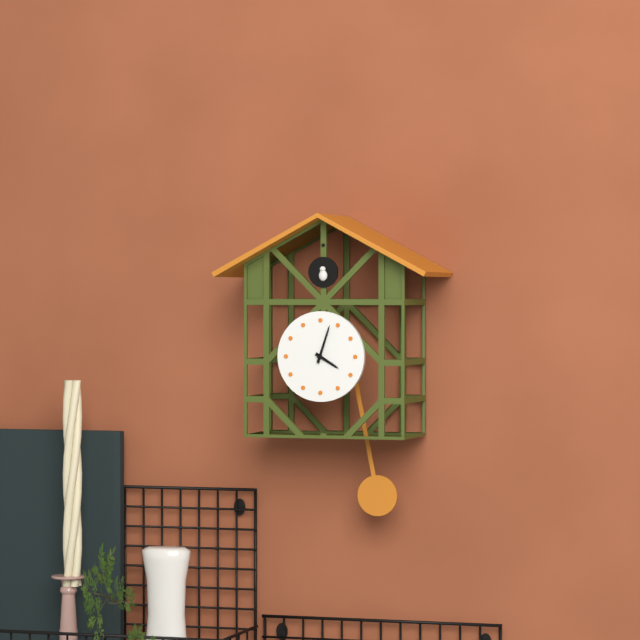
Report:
4,03
